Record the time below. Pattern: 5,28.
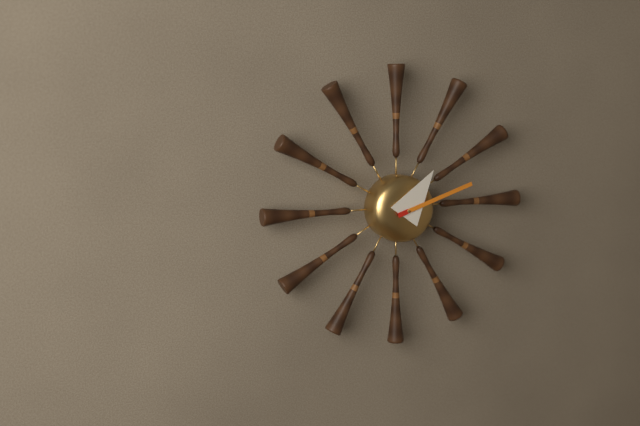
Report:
1,12
